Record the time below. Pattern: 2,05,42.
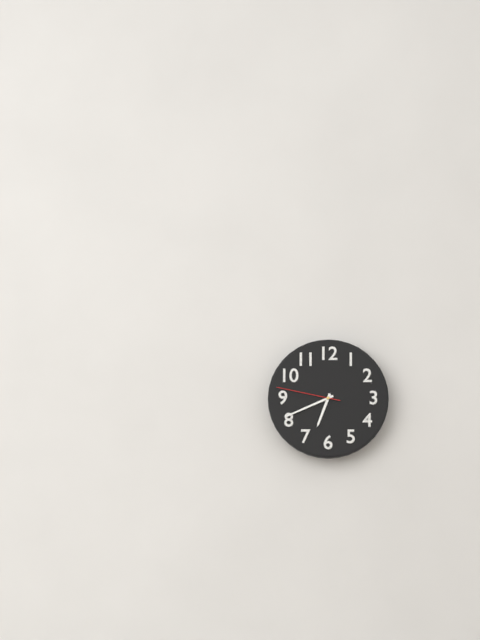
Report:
6,41,47
